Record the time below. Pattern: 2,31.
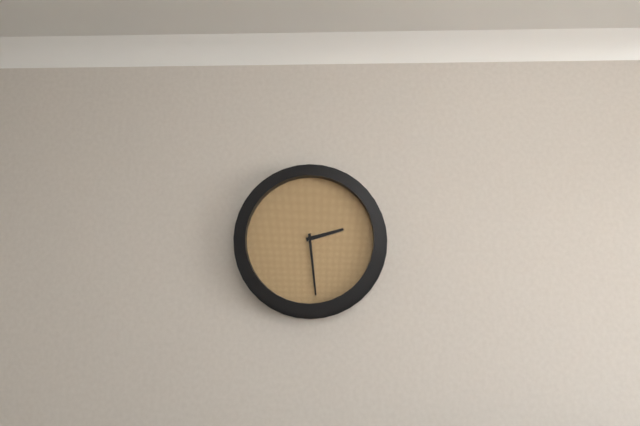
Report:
2,29
